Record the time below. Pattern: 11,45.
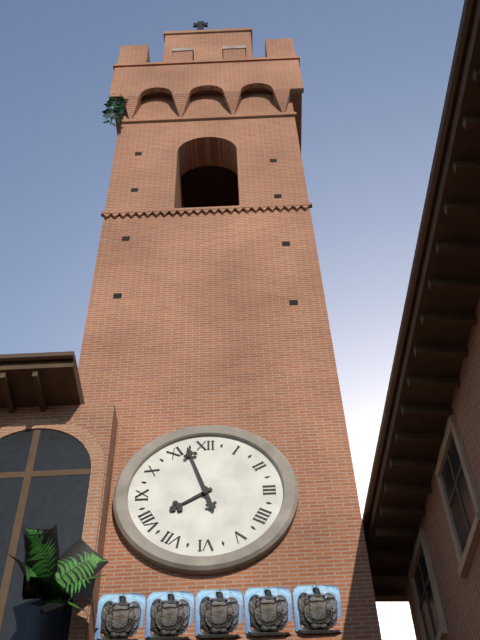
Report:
7,57
